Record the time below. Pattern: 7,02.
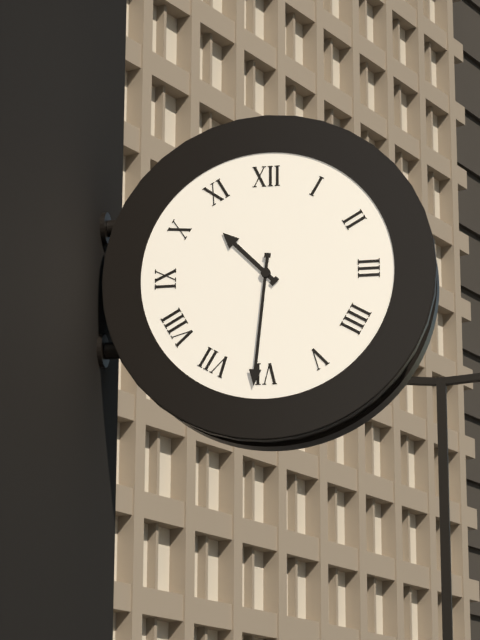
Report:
10,31
